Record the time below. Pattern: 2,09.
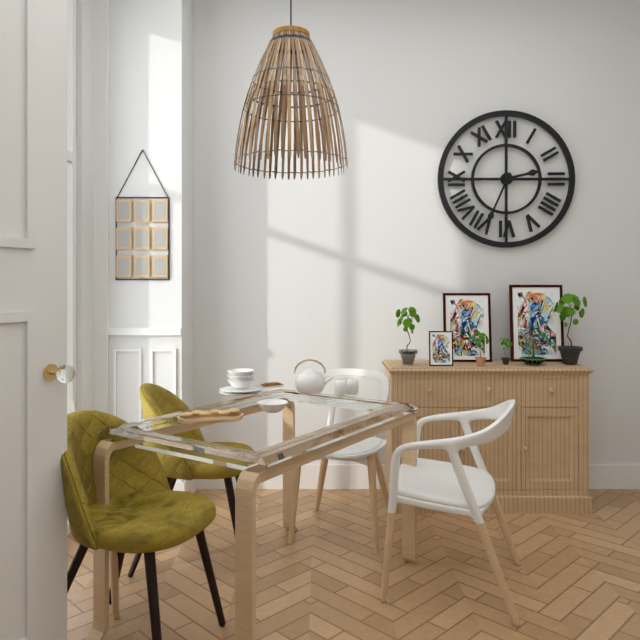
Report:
2,34
